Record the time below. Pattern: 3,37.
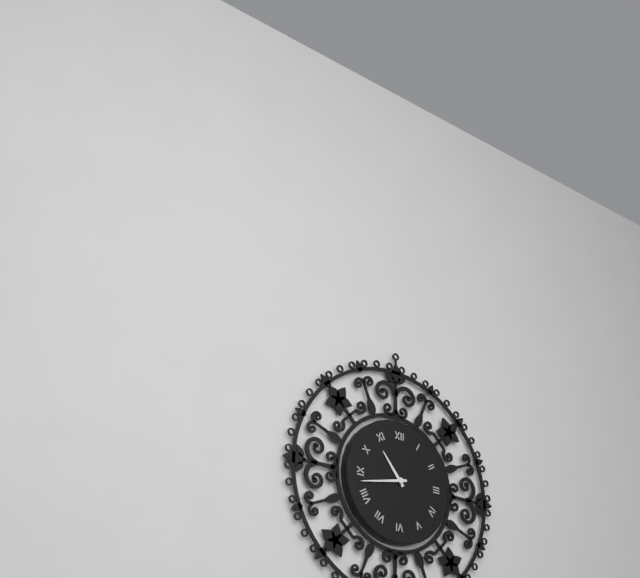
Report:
10,43
